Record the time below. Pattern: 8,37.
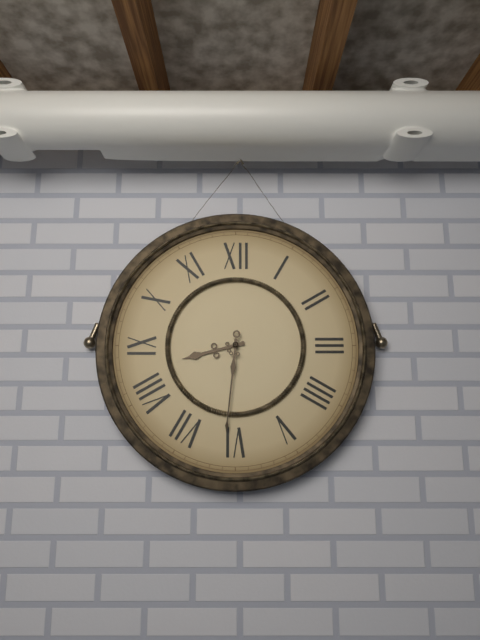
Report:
8,31
